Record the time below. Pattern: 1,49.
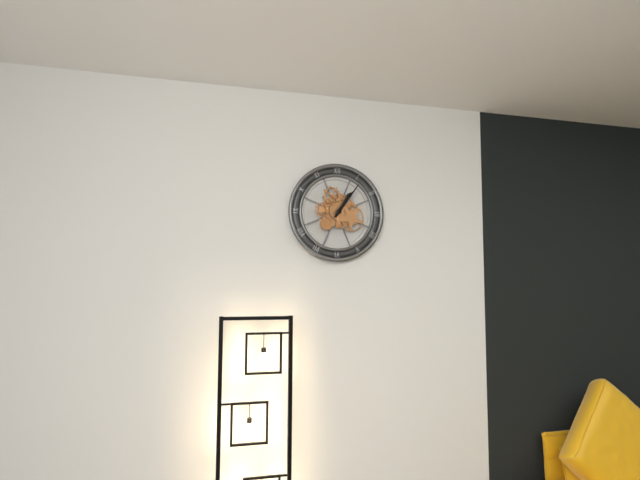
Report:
1,06
